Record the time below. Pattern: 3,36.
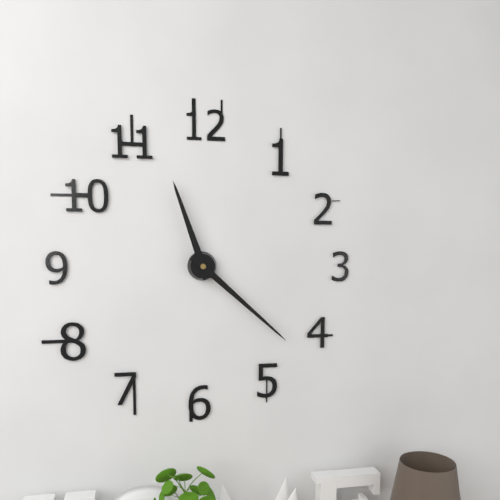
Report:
11,22
